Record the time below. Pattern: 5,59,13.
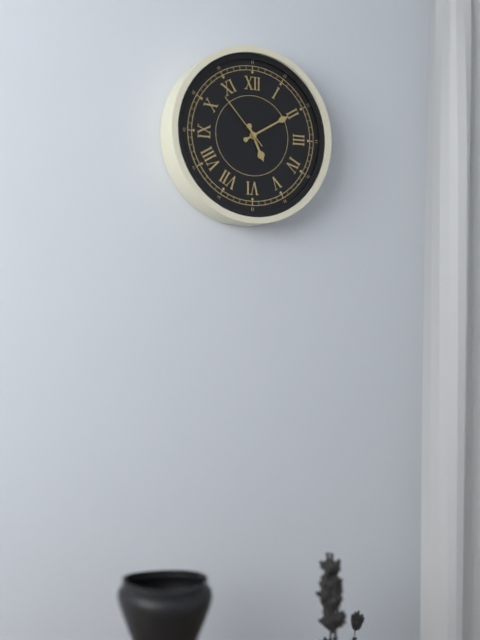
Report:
5,10,53
